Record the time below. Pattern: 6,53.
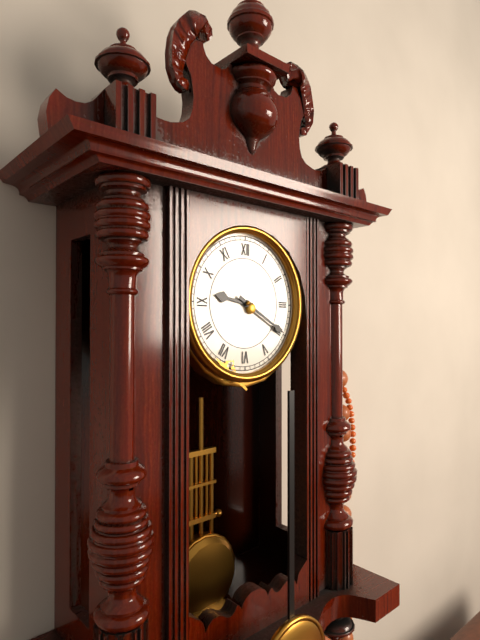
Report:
9,20
